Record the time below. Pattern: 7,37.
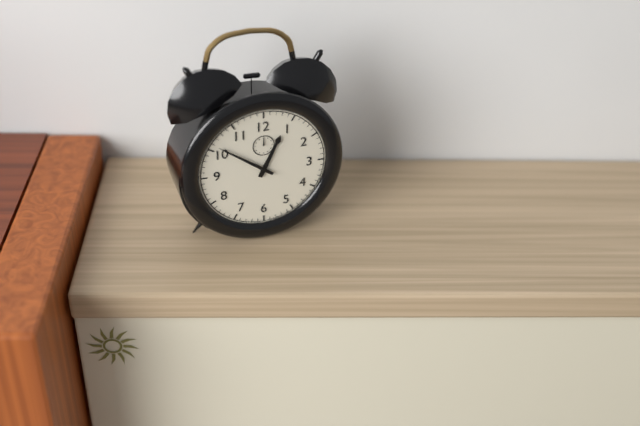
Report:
12,51
